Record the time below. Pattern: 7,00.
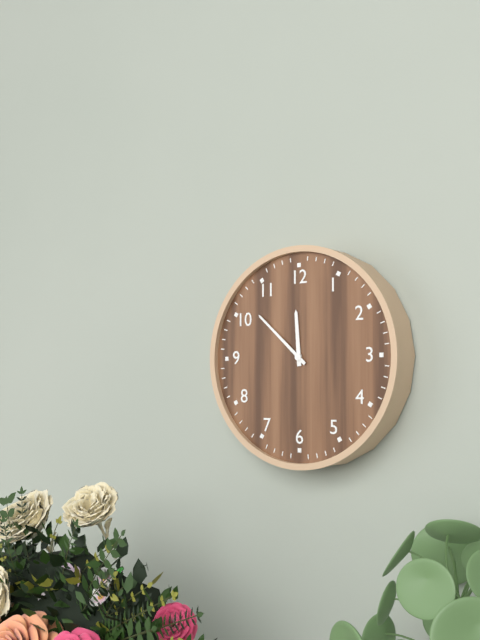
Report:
11,52
